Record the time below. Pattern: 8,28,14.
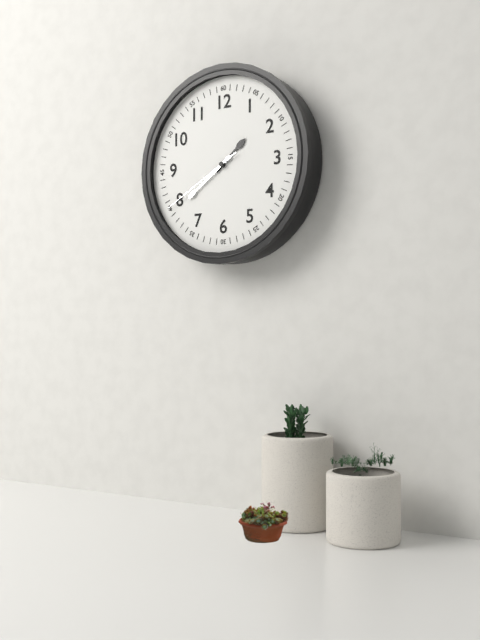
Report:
1,39,40
